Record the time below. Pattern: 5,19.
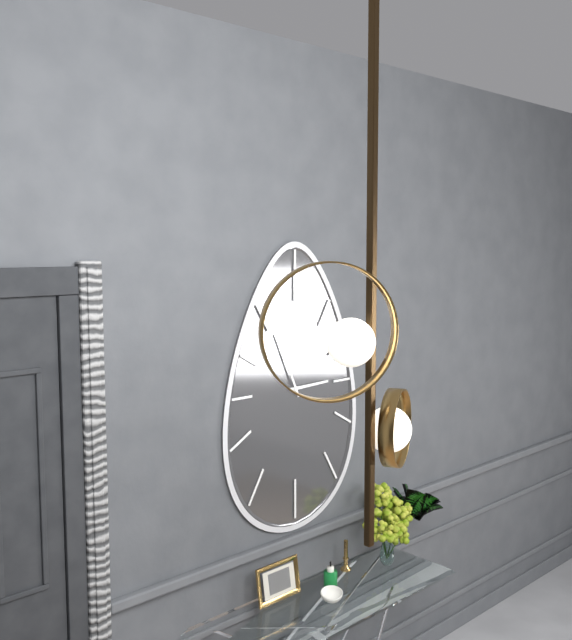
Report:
2,56
